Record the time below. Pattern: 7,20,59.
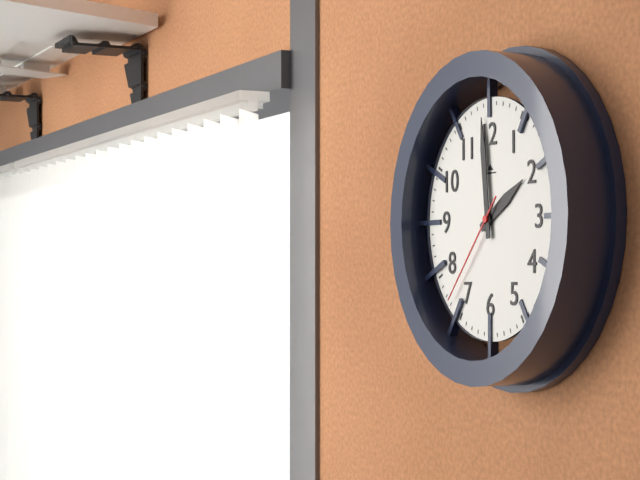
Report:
1,59,37
